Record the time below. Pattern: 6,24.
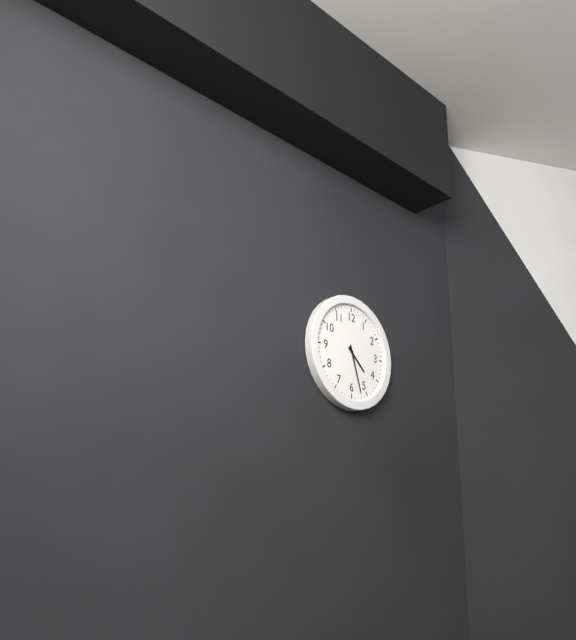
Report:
4,27
